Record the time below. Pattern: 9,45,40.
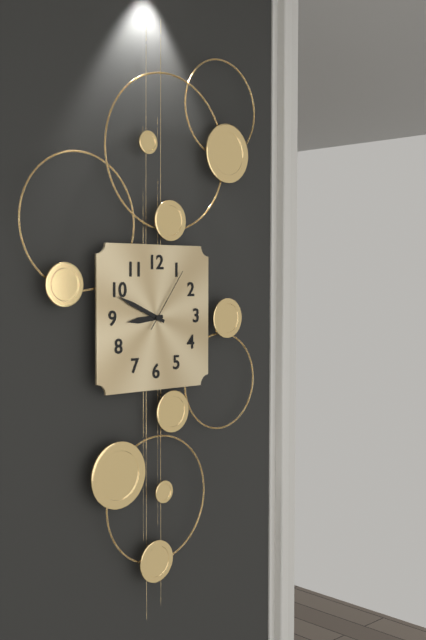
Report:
8,49,06
